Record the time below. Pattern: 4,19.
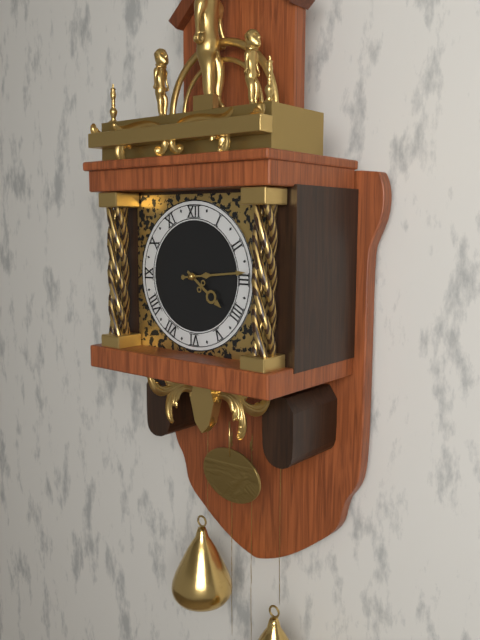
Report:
4,14
